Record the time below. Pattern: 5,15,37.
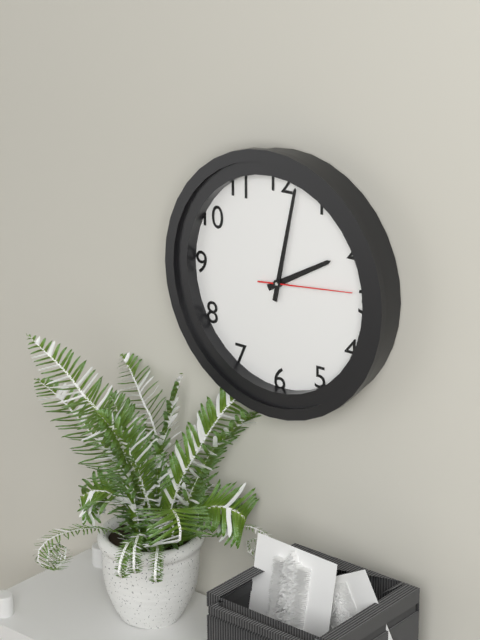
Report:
2,02,14
